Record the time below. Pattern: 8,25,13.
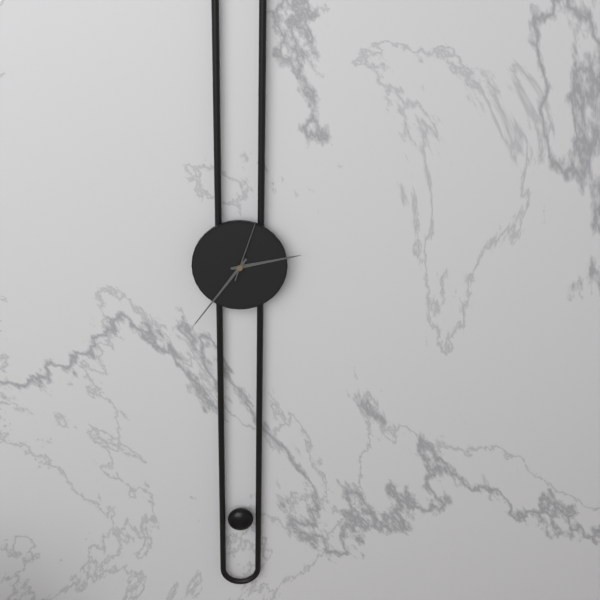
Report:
2,36,03
